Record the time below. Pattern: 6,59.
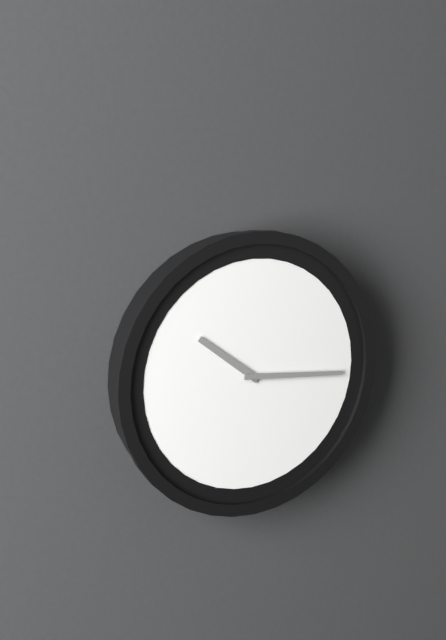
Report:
10,16
